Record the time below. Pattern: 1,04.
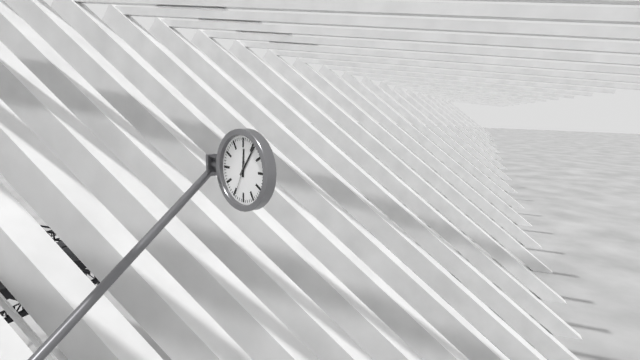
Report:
12,06
